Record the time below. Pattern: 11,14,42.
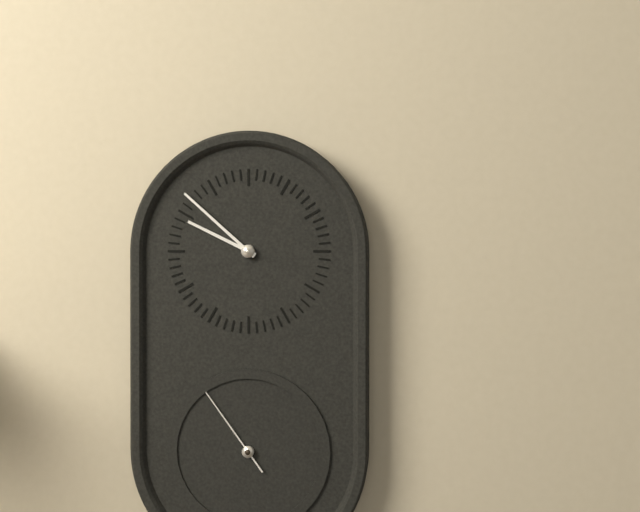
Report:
9,52,54
